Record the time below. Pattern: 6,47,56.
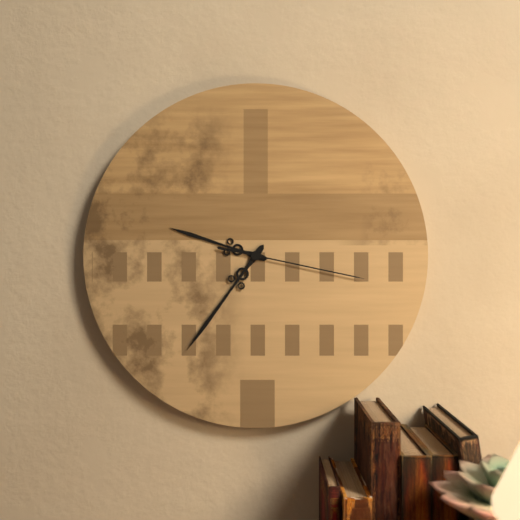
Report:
9,36,17
